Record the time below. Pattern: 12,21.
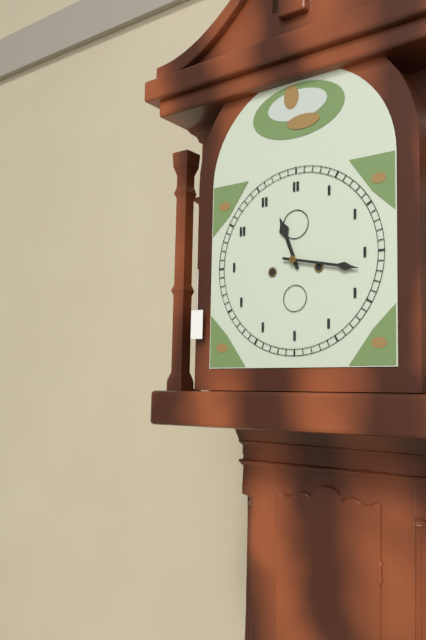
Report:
11,17
